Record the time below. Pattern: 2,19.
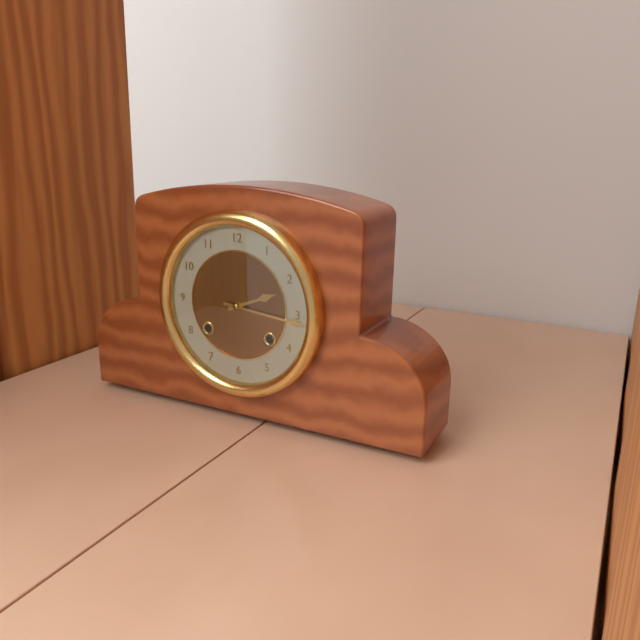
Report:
2,16
